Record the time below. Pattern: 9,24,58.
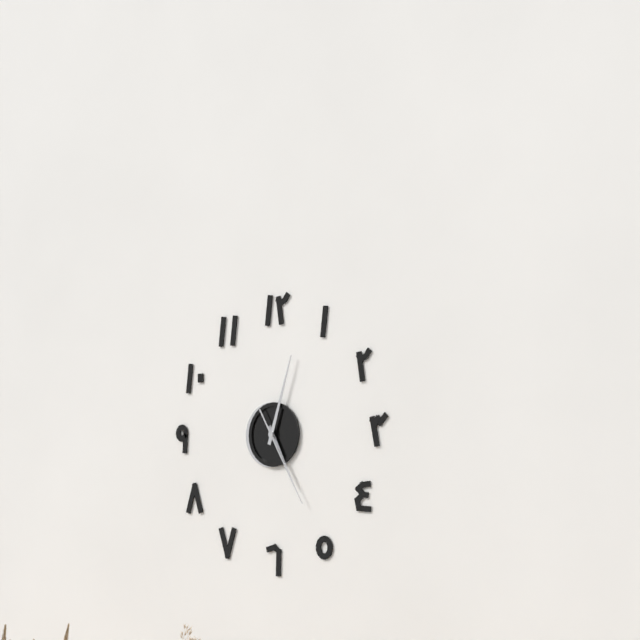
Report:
5,03,25
